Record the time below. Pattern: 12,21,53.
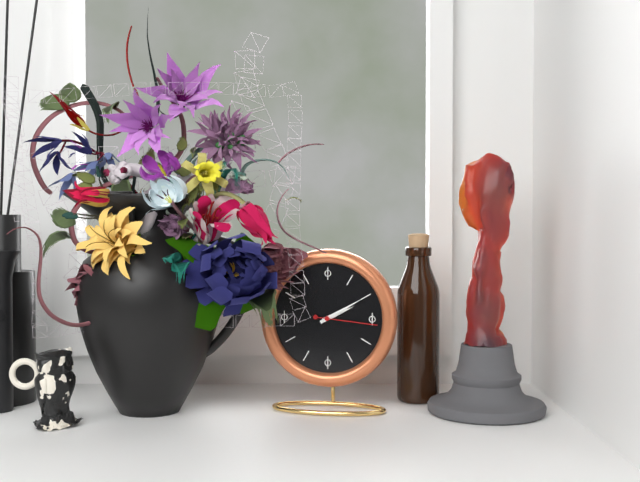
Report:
2,10,16
